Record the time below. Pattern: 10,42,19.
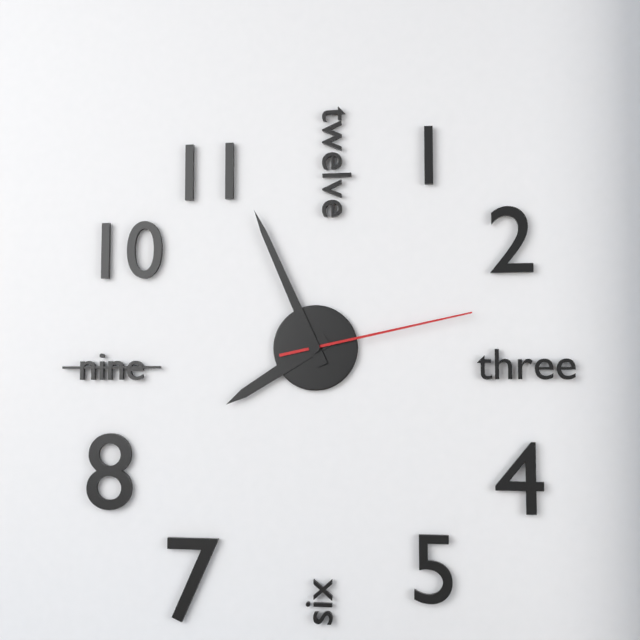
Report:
7,56,13
